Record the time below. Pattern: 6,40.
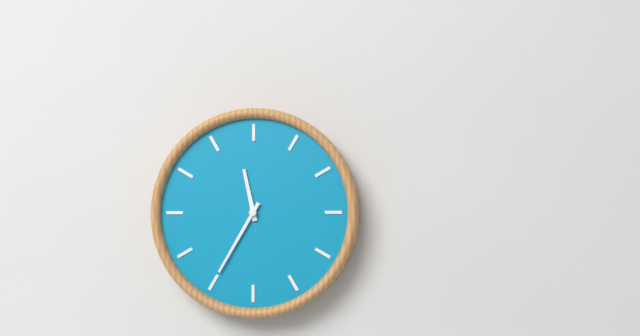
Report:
11,35
